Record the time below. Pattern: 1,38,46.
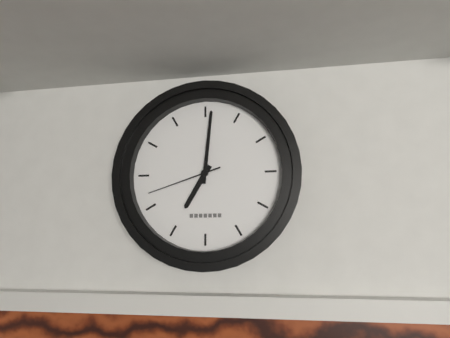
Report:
7,01,42
